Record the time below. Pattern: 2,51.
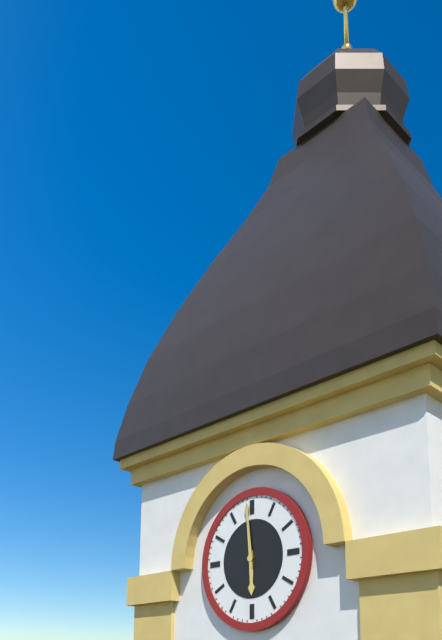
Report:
5,59
